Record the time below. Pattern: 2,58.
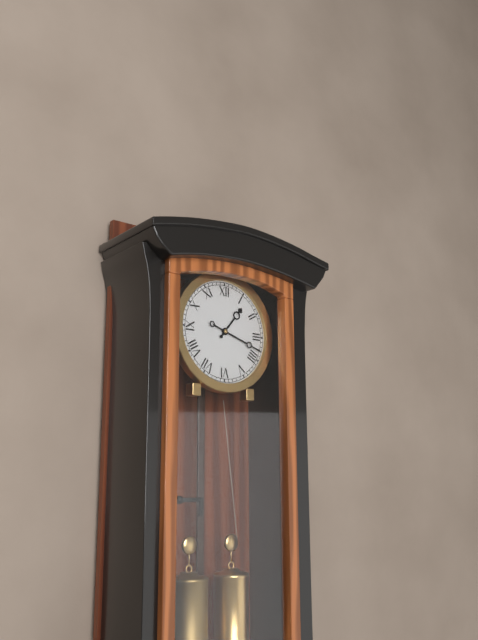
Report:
1,18
